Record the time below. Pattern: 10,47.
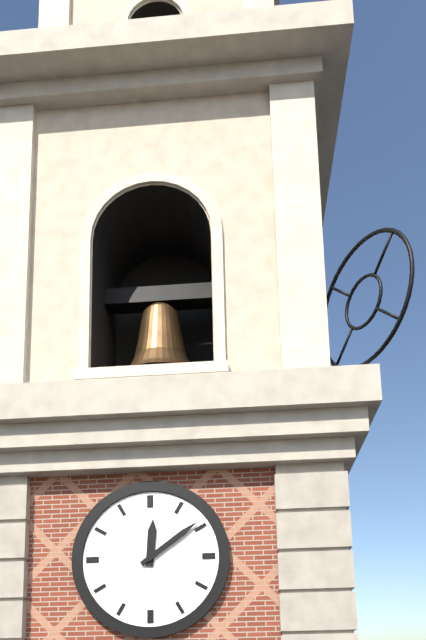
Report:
12,09
